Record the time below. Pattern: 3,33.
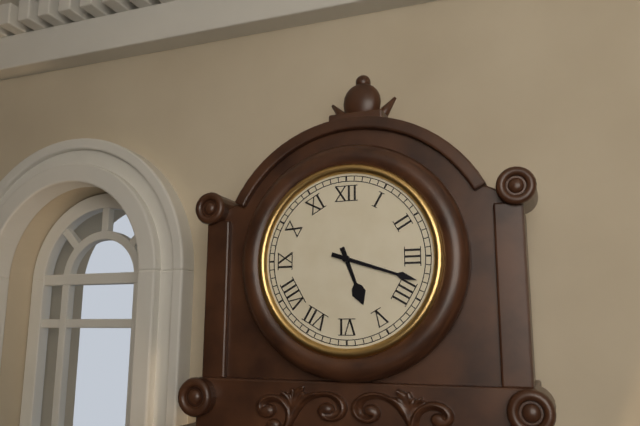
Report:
5,18
